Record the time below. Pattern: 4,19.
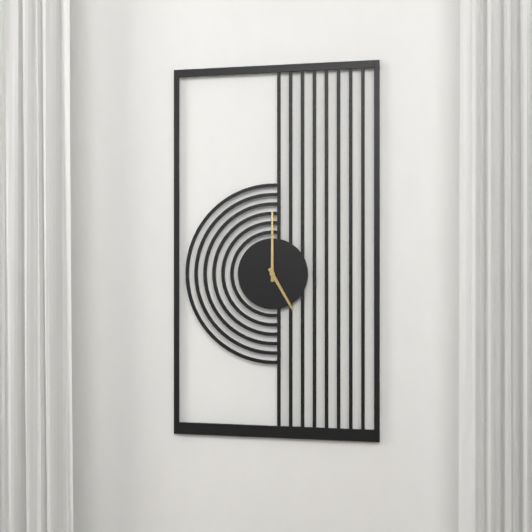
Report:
5,00
